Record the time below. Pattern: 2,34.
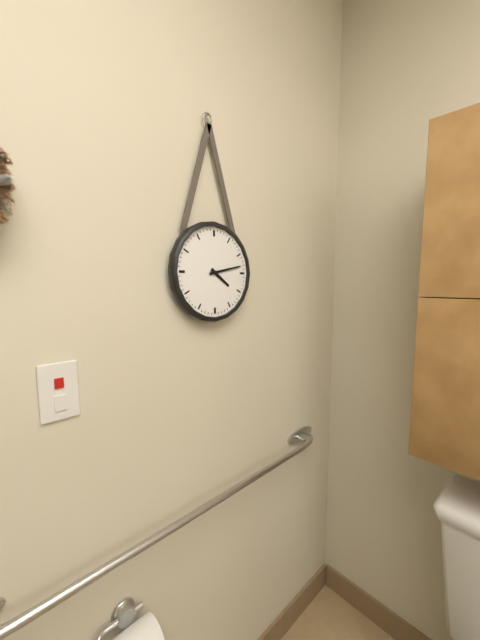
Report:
4,13
